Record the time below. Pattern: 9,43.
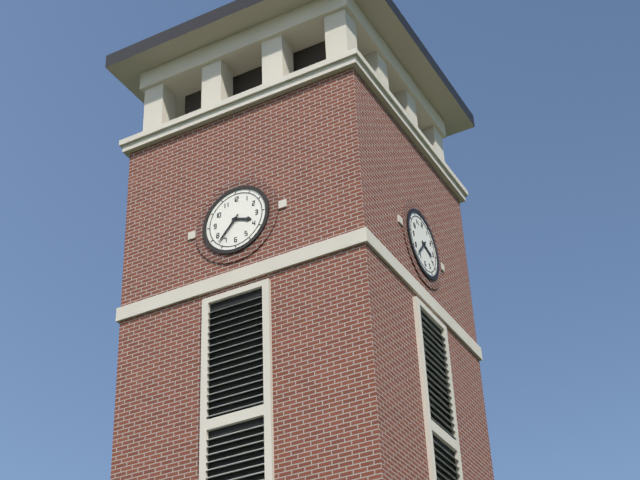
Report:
3,37
